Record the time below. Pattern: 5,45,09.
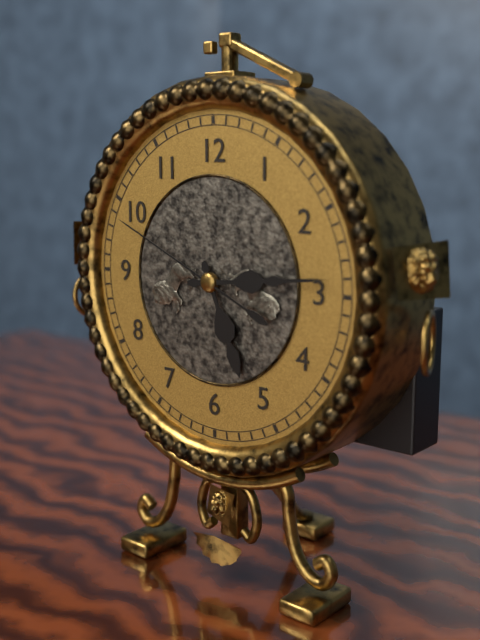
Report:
5,14,49
